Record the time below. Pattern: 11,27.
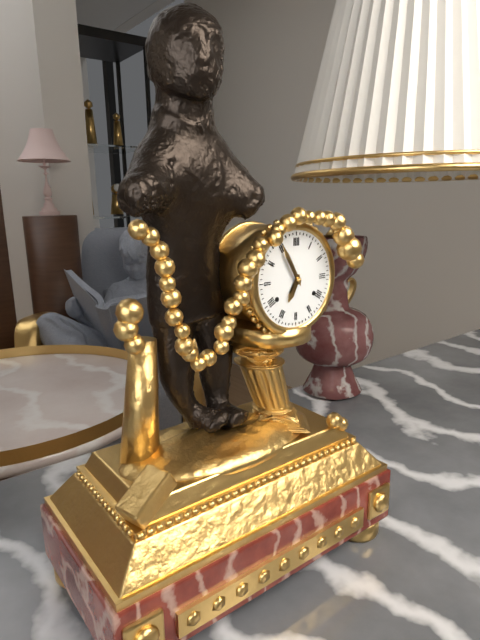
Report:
6,55
